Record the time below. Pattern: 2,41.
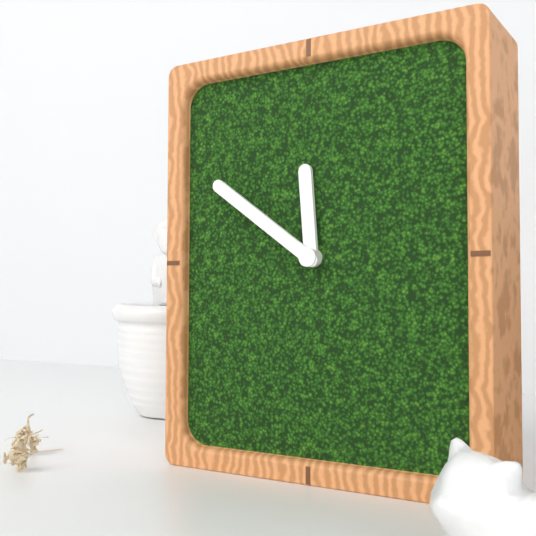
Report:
11,51
